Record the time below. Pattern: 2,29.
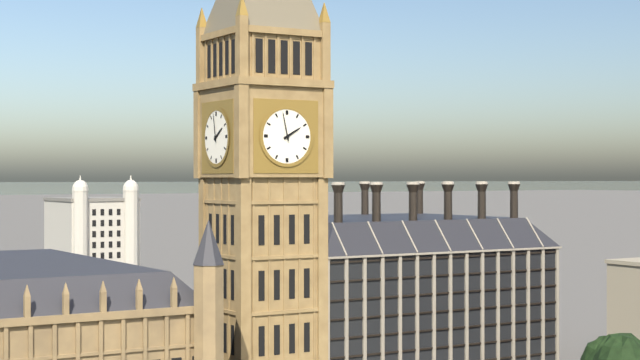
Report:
1,58
